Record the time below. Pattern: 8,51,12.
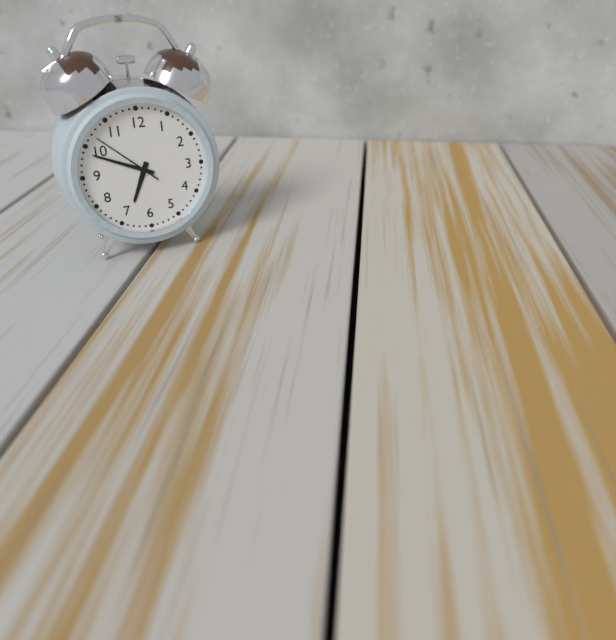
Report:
6,49,52
